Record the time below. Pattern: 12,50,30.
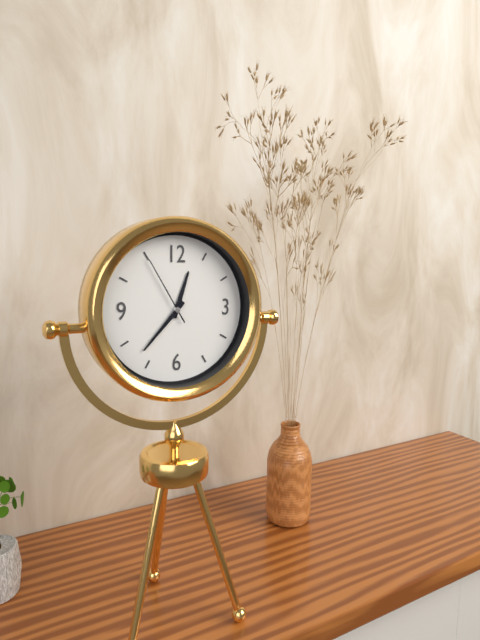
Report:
12,37,55
